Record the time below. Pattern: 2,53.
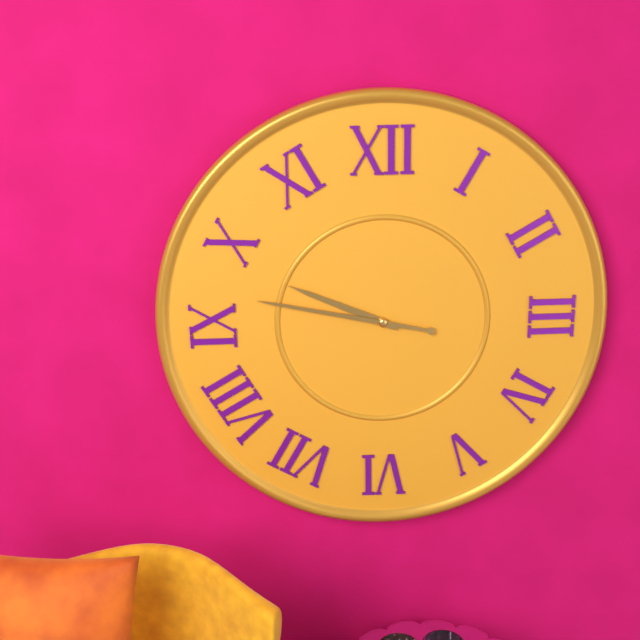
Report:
9,47
